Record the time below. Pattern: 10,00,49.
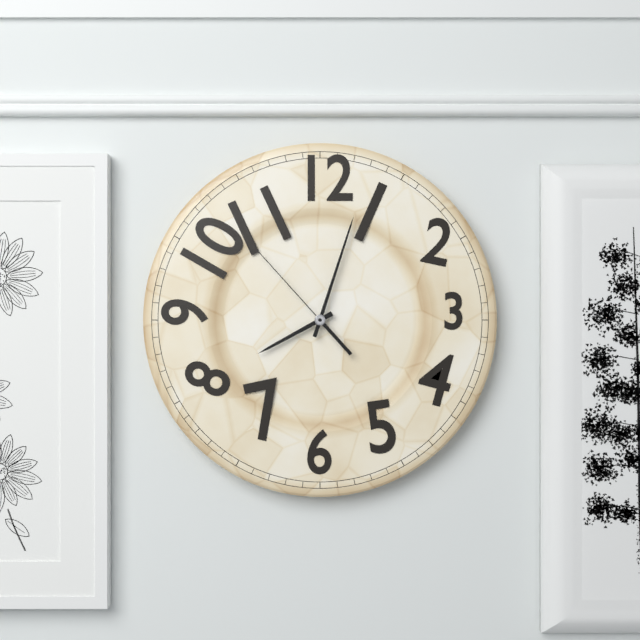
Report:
8,03,53
